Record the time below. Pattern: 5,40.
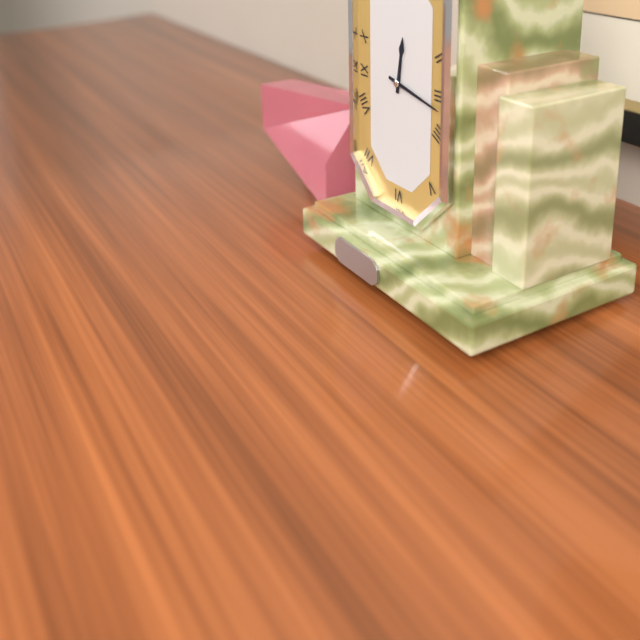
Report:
12,17
